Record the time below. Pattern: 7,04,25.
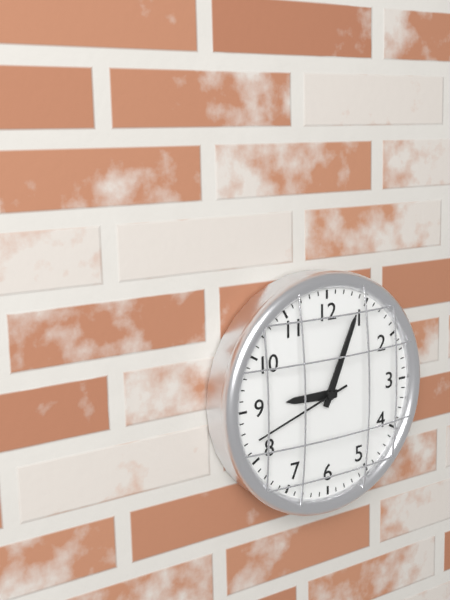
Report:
9,04,42
